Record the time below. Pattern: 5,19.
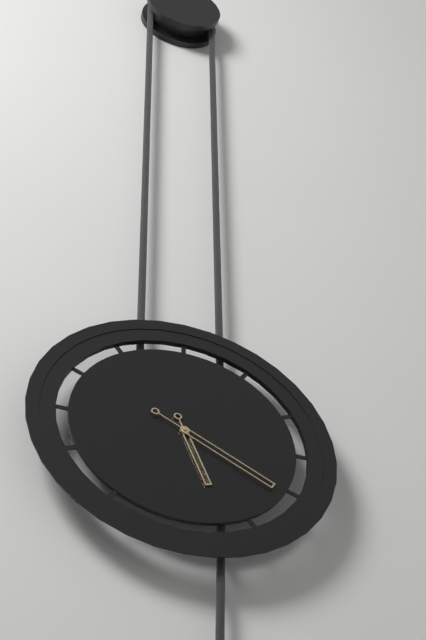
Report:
5,20
